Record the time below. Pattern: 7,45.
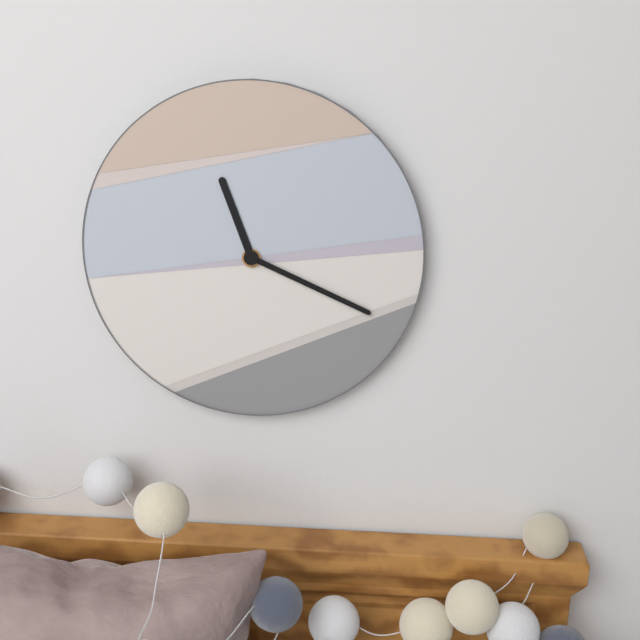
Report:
11,19
